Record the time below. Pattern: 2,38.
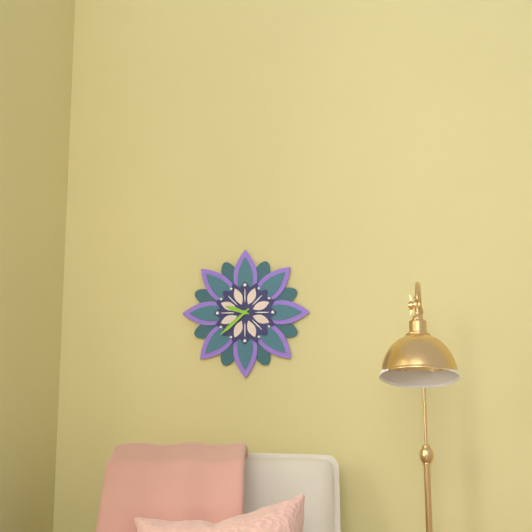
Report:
9,38
